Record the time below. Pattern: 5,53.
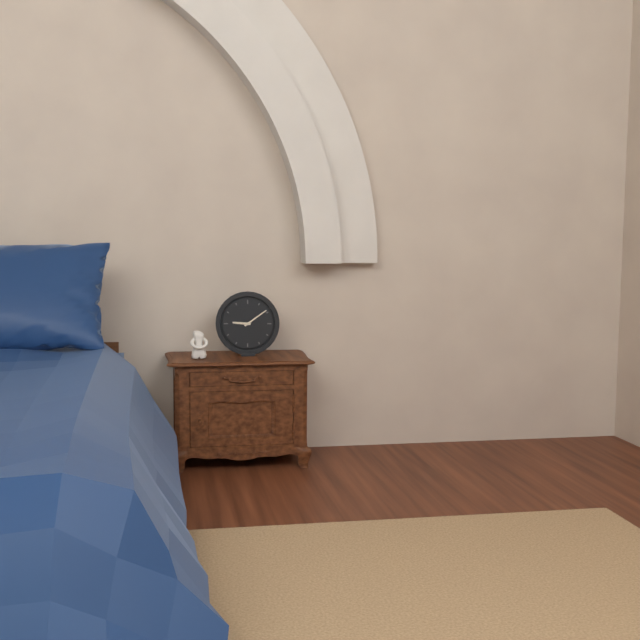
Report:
9,09
